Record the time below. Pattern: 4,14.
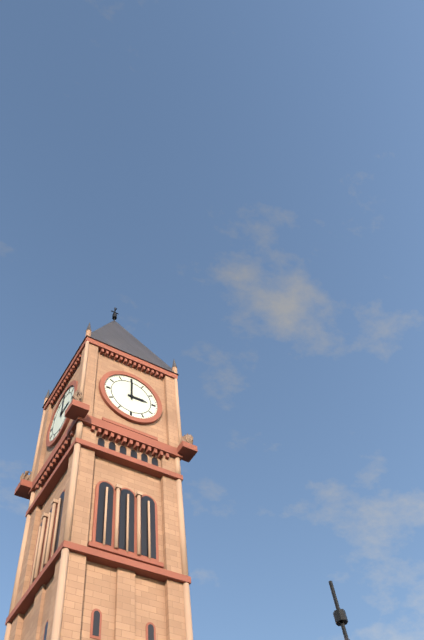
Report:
3,00
